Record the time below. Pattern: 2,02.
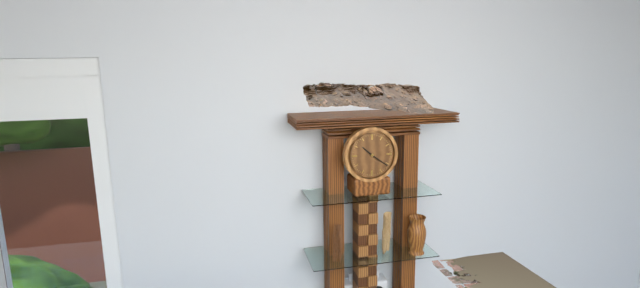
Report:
10,21
